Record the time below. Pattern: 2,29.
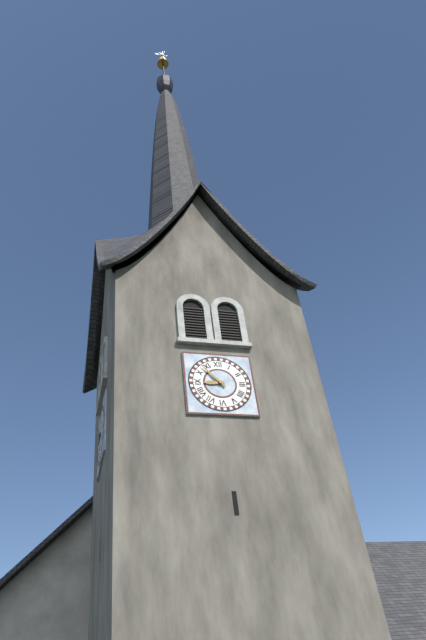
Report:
8,53
